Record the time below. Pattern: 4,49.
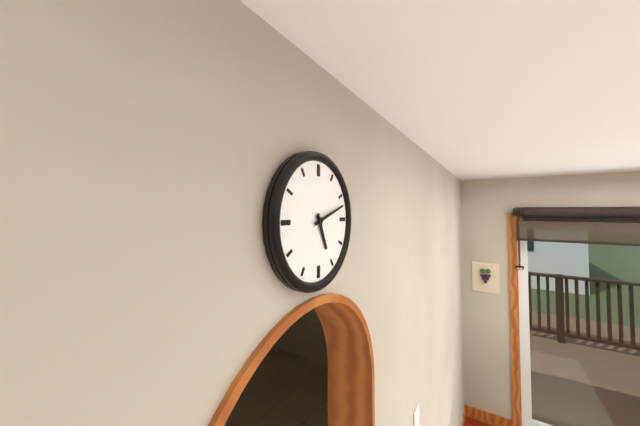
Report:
5,12
